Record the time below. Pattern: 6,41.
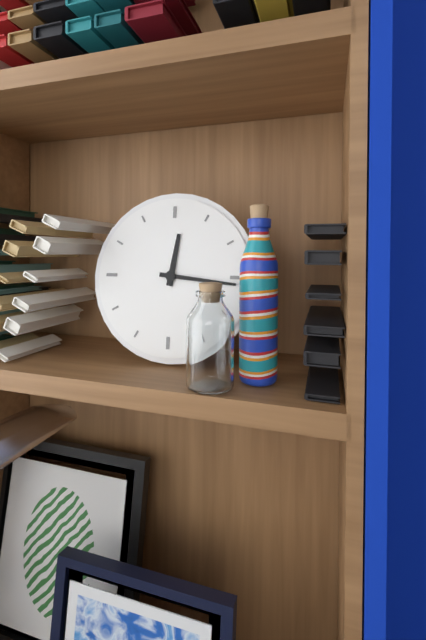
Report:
12,16
